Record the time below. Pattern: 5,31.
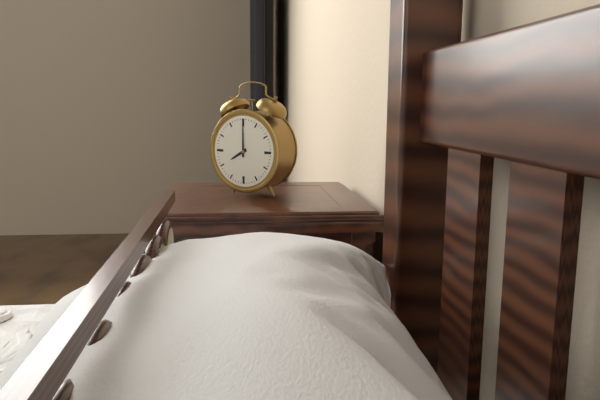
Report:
8,00
